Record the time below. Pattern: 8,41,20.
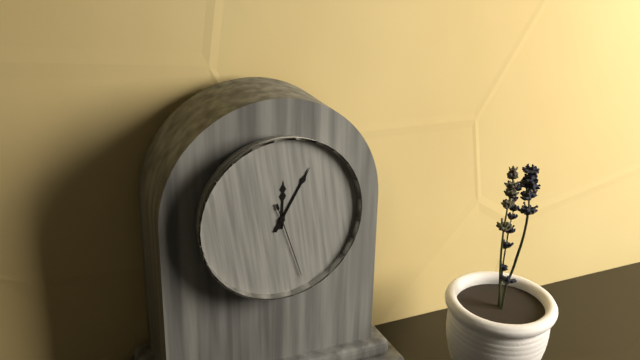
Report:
12,05,27
